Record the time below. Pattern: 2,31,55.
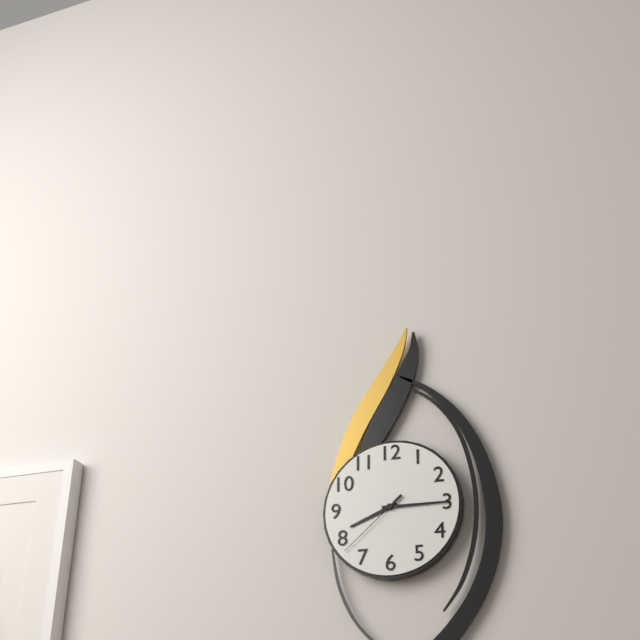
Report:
8,15,38
